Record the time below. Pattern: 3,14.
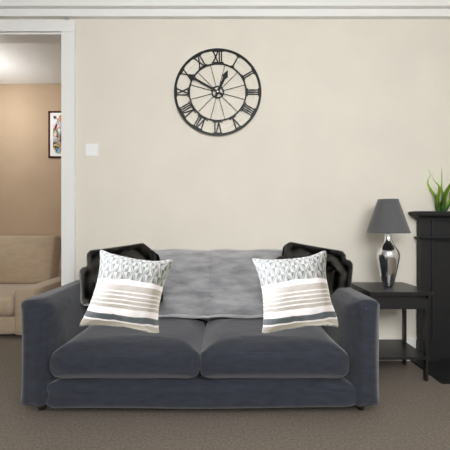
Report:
12,50
